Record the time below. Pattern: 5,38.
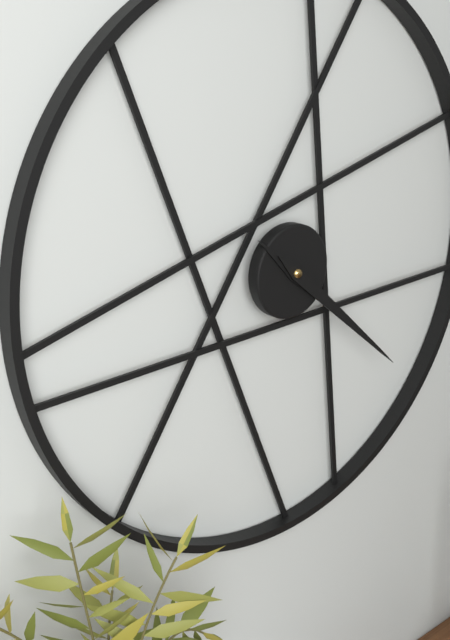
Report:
4,22
